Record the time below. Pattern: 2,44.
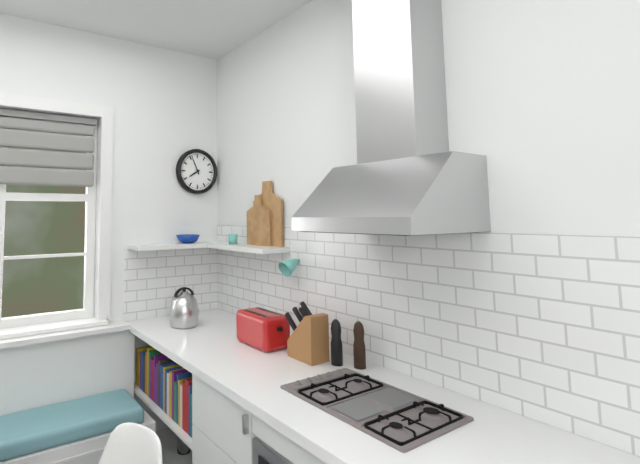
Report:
7,56
